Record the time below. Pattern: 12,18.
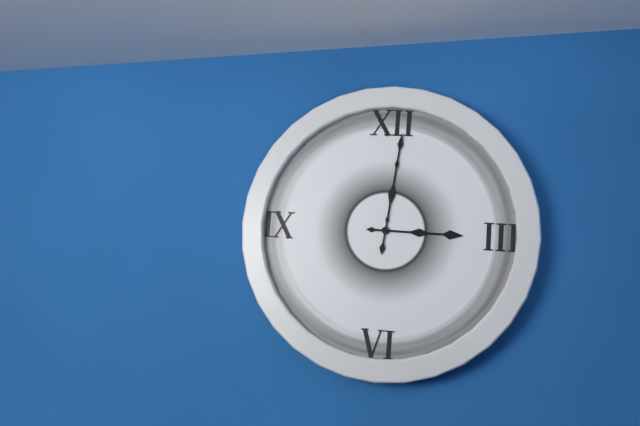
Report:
3,01
